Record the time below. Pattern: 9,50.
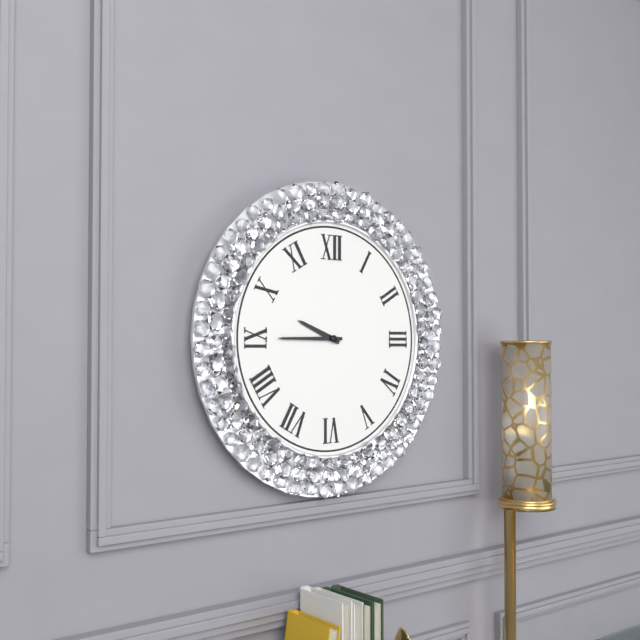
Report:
9,45
